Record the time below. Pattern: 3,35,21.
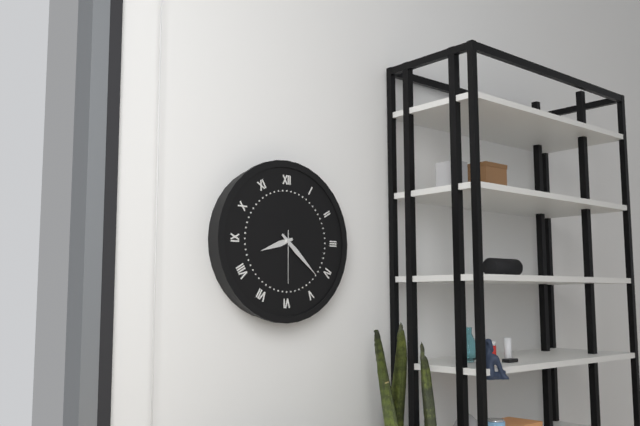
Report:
8,22,30
